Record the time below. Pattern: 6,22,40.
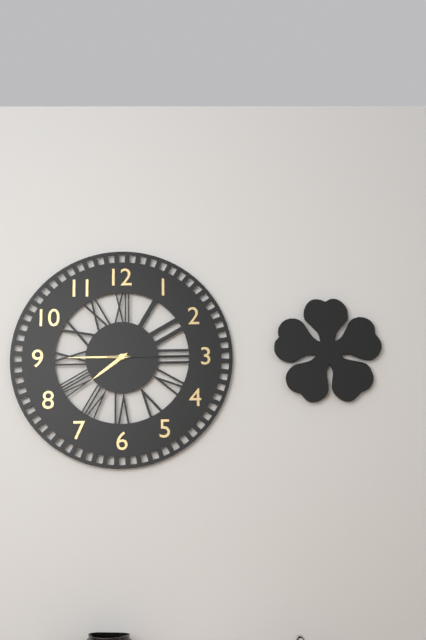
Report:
7,45,15
